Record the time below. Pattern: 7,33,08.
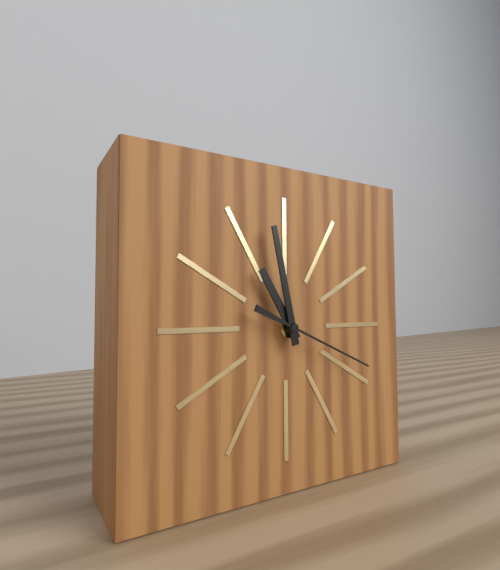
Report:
10,58,19
